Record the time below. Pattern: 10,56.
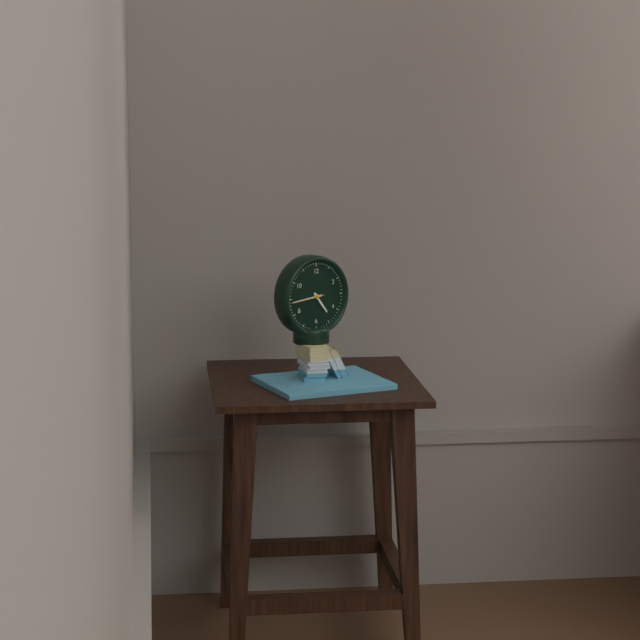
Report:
4,44
